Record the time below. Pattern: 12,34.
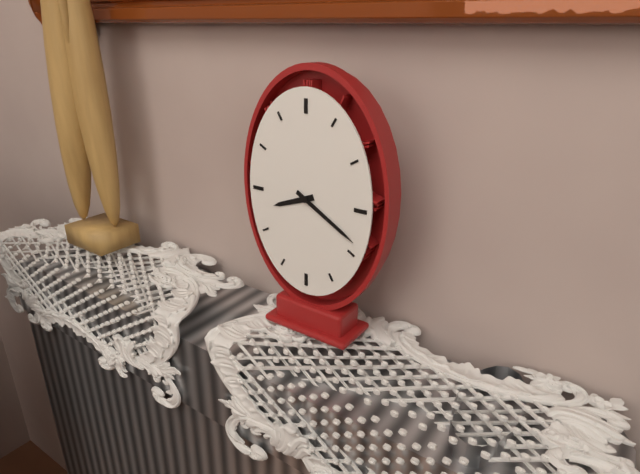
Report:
8,20
